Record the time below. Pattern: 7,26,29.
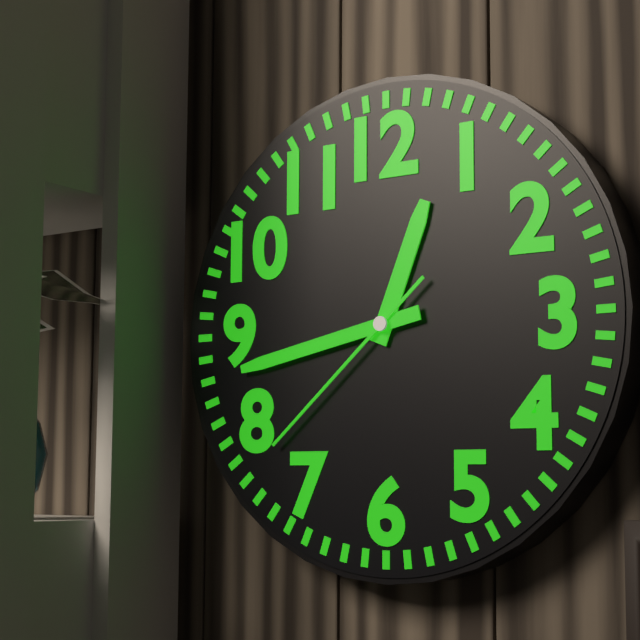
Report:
12,43,38
